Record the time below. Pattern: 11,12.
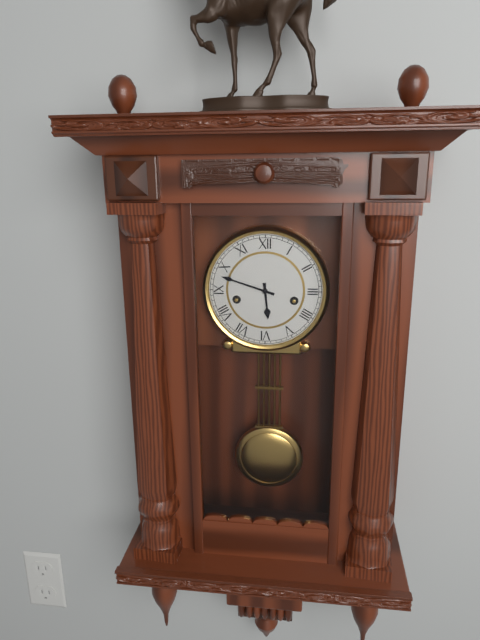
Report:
5,48
